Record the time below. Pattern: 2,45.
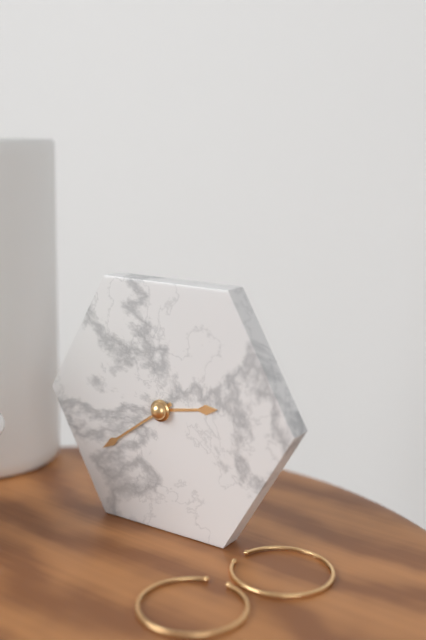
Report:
2,39
